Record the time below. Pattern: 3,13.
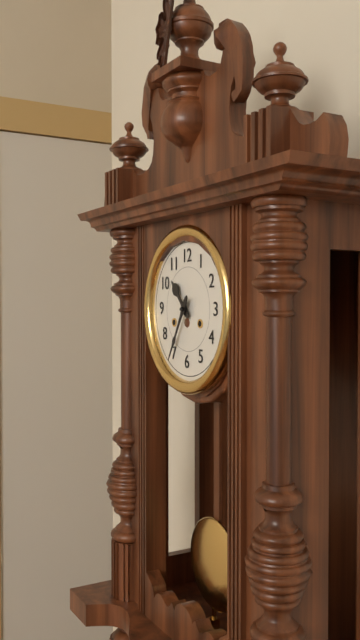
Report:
10,35
